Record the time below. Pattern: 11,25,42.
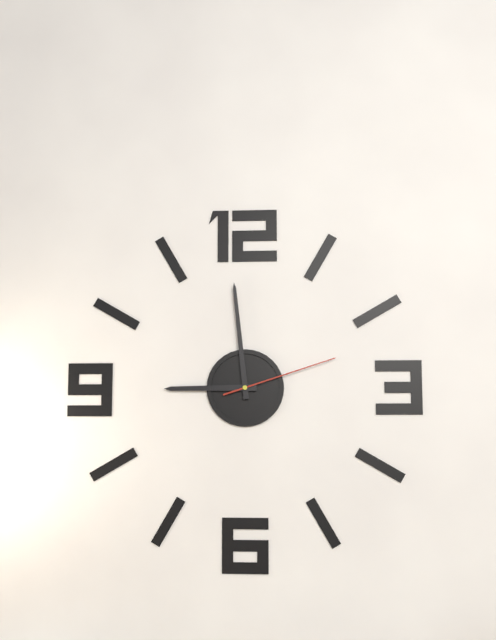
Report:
8,59,12
